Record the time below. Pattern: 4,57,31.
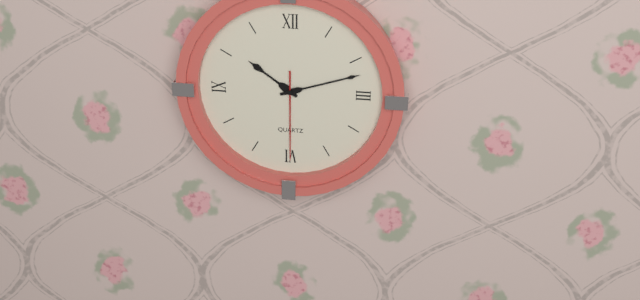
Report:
10,12,30
